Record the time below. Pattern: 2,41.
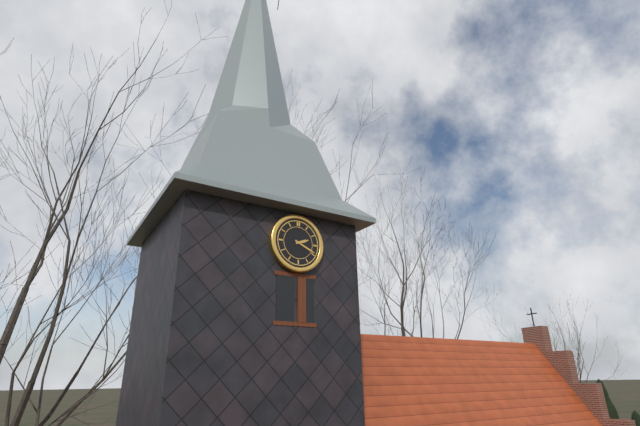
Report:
2,19
